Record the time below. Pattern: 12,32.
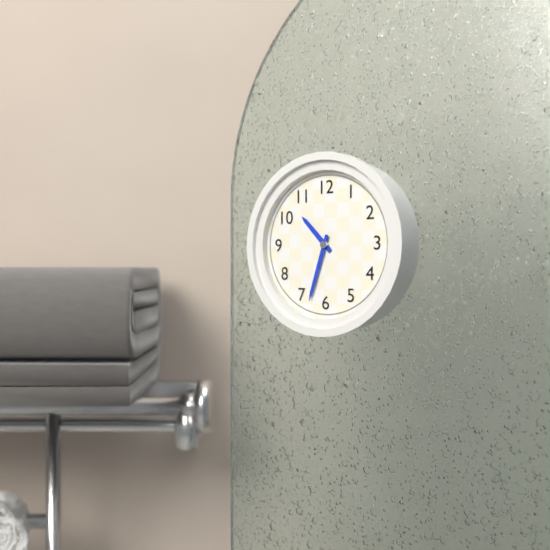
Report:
10,33
